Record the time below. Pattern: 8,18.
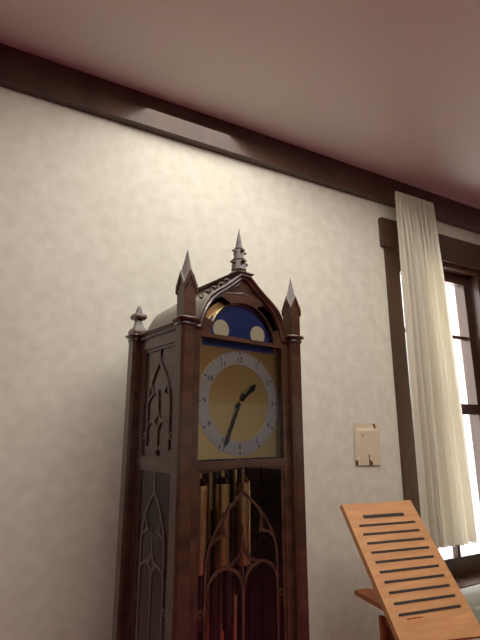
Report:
1,34
